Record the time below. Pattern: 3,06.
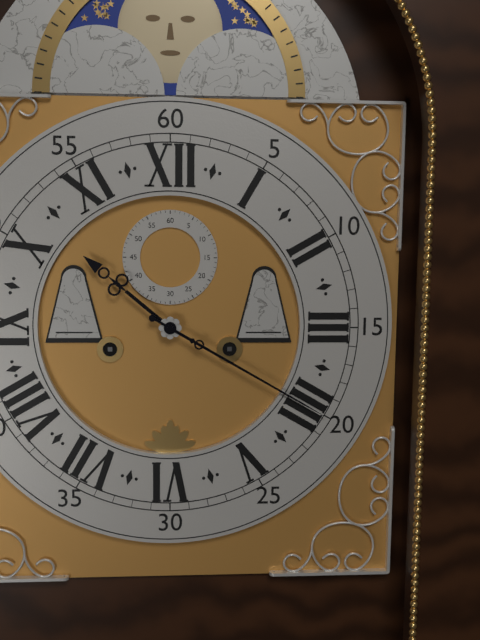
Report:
10,20
